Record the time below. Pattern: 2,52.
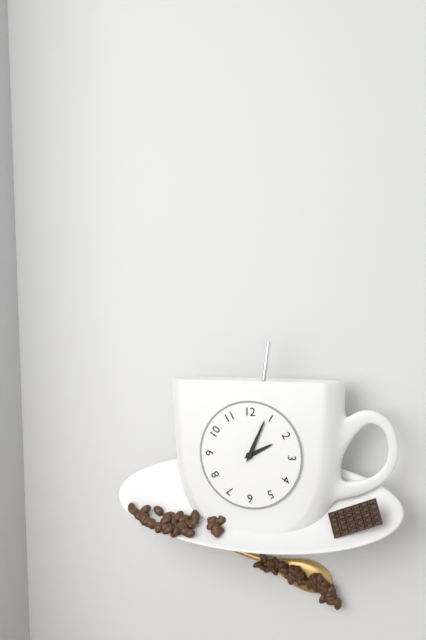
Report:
2,04
